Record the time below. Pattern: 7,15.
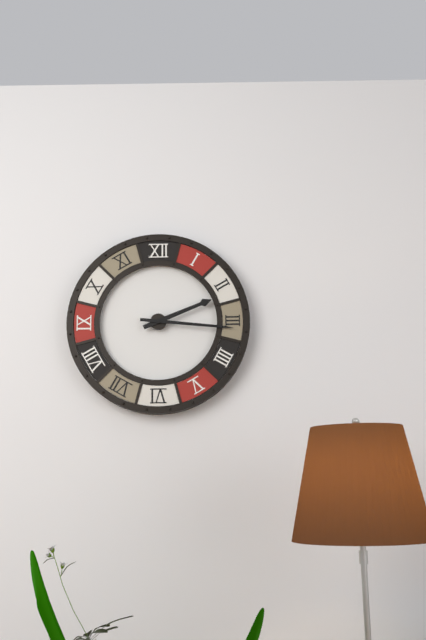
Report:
2,16
